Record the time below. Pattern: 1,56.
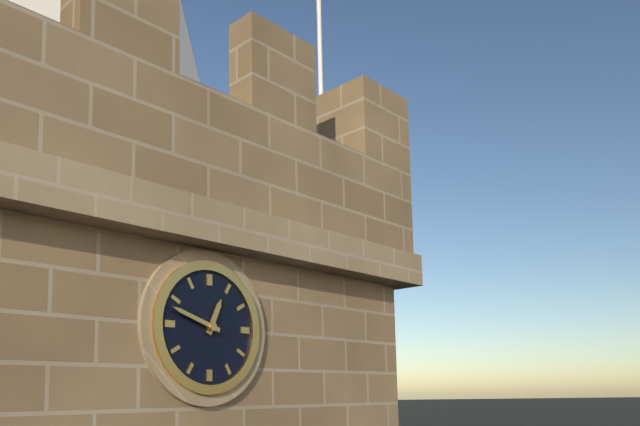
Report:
12,48
